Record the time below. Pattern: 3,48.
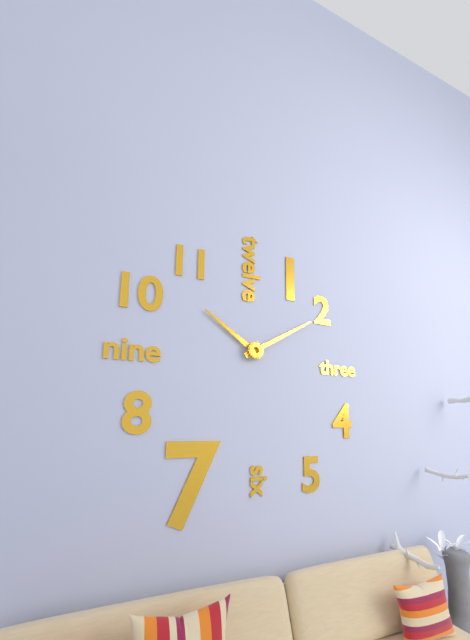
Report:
10,10
